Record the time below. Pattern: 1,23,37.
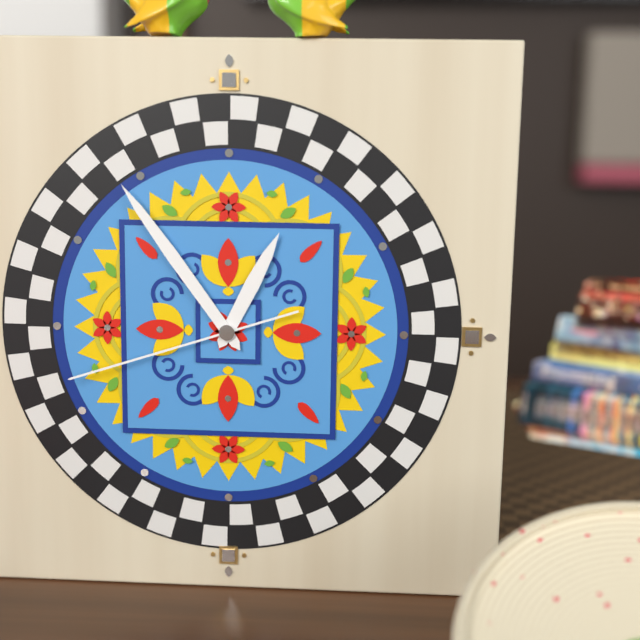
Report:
12,54,42
